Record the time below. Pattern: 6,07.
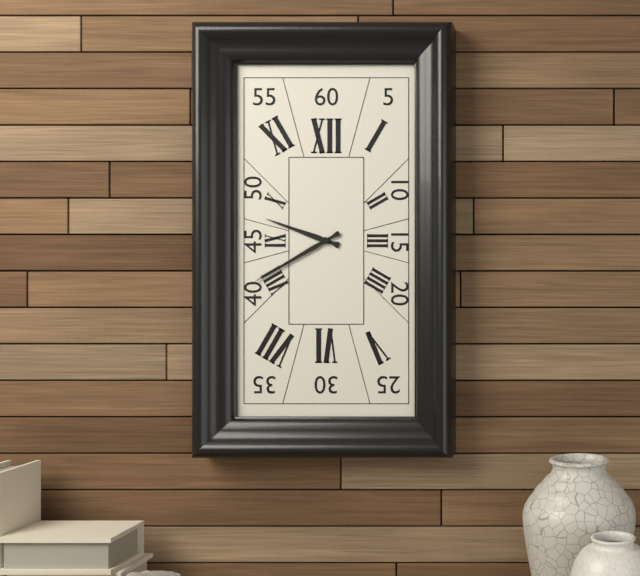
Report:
9,40
